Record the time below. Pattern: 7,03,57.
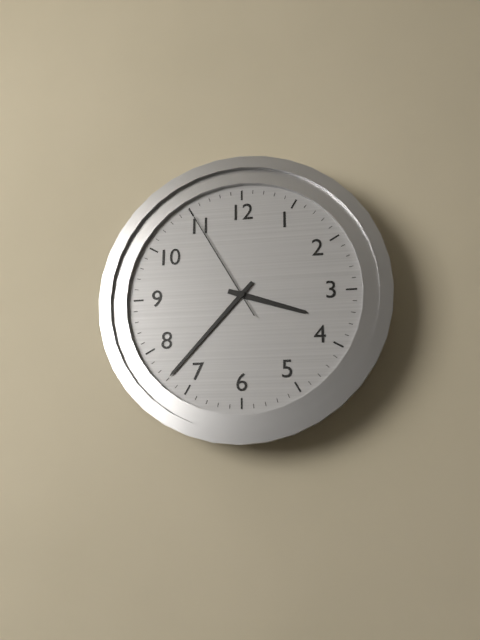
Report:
3,37,55
